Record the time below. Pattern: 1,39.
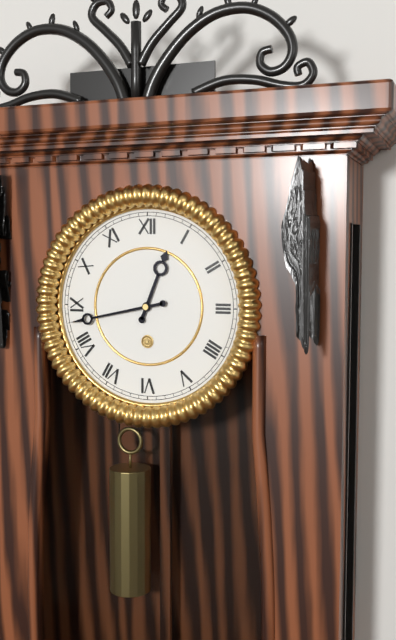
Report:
12,43
